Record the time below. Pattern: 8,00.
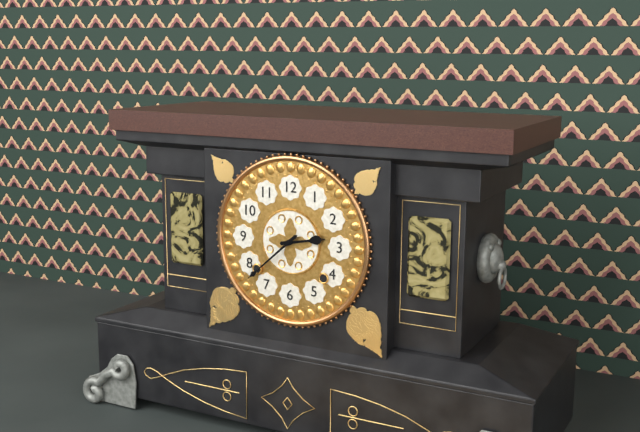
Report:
2,38
